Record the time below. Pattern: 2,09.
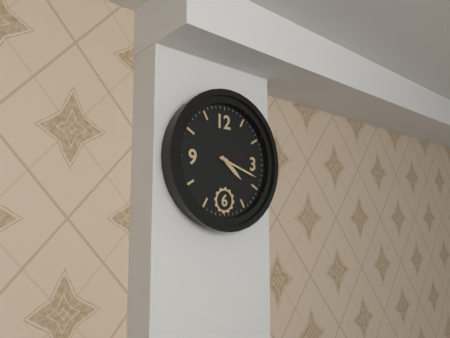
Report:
4,18
